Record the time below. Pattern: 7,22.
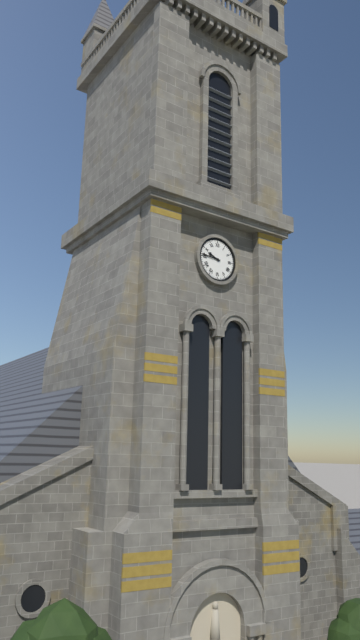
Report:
9,46
